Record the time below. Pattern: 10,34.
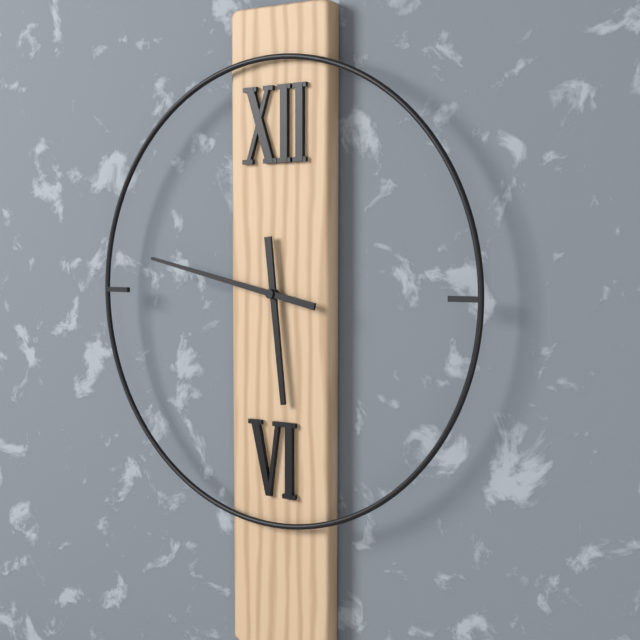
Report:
5,47
